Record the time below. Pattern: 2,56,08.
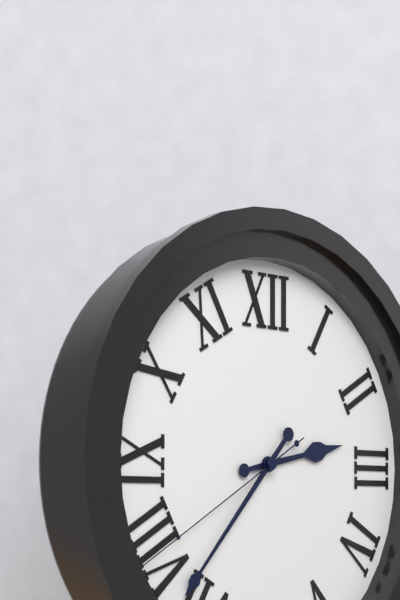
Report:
2,37,40
